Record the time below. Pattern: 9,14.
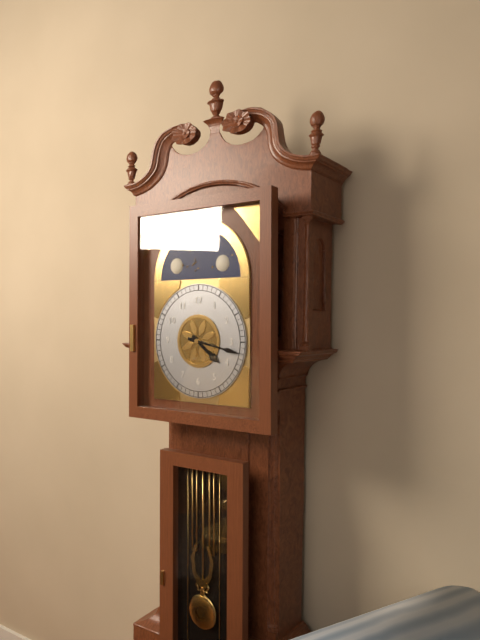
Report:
4,17
